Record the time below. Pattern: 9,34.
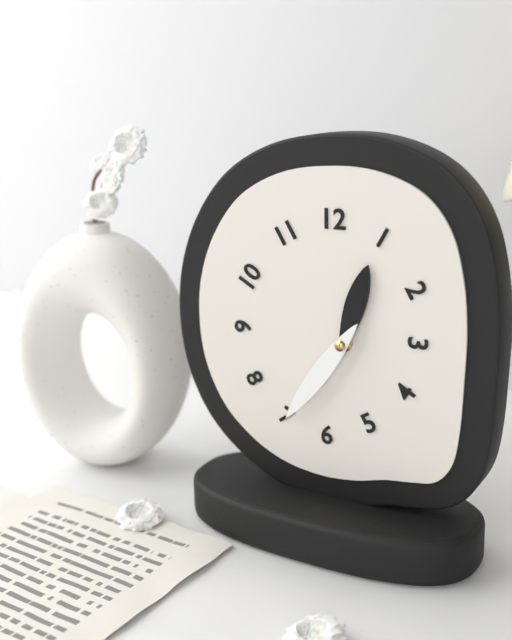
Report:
12,36
